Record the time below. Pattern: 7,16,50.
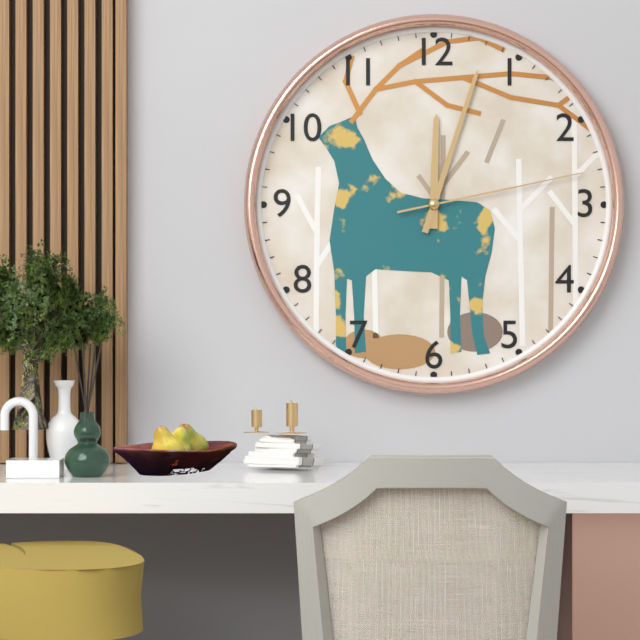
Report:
12,03,13
